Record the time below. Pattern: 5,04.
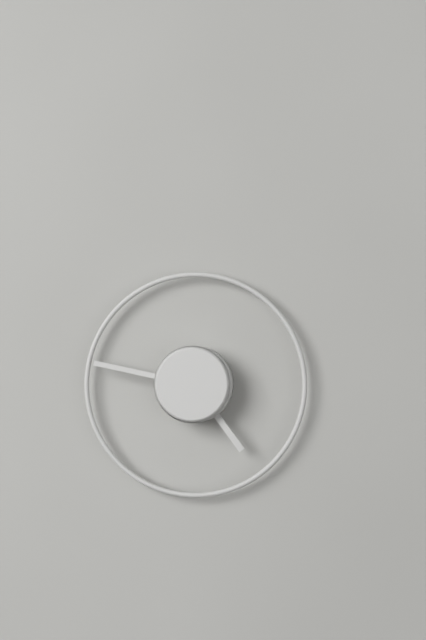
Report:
4,47
